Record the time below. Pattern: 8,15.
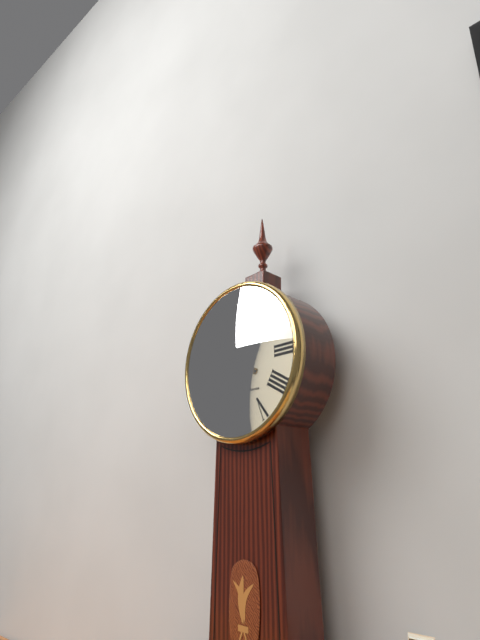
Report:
9,07
